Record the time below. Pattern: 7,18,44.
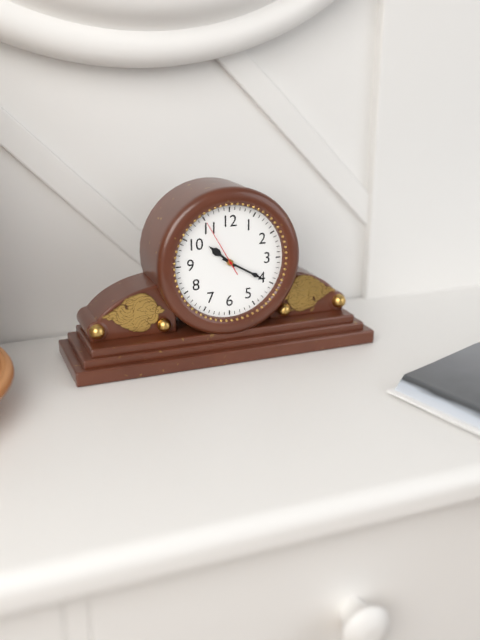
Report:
10,20,55
